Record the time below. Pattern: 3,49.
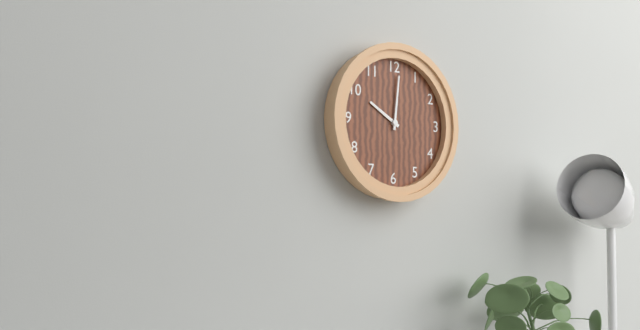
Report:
10,01
